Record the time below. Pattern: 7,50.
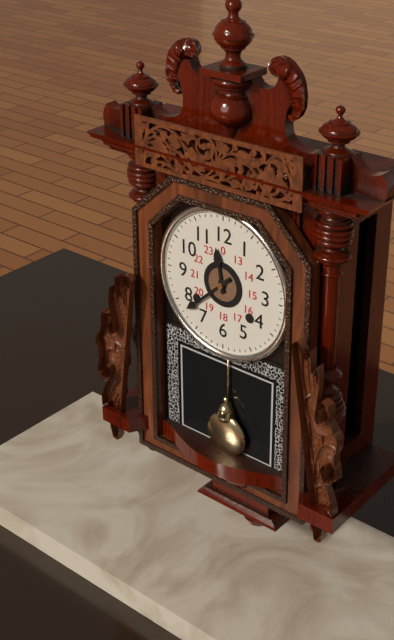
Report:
11,38
